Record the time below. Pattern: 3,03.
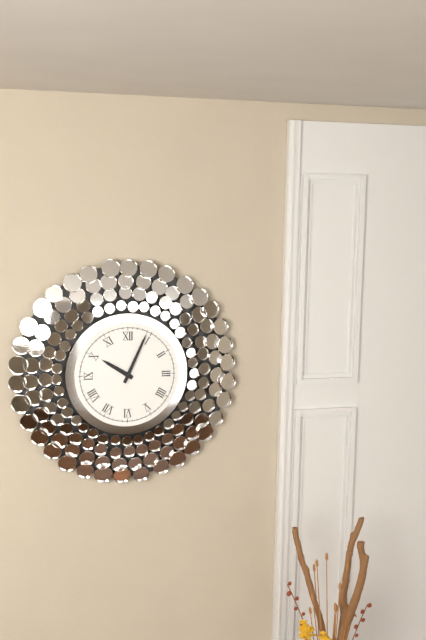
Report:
10,04
